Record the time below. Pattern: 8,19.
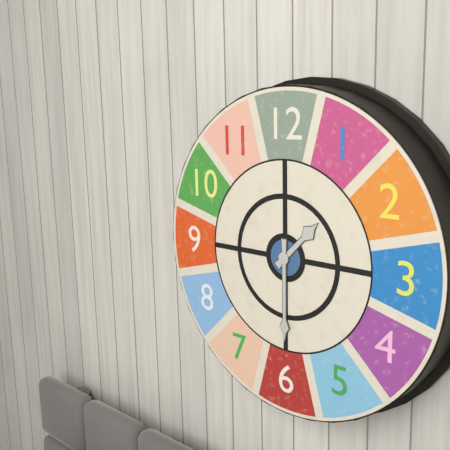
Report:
1,30
